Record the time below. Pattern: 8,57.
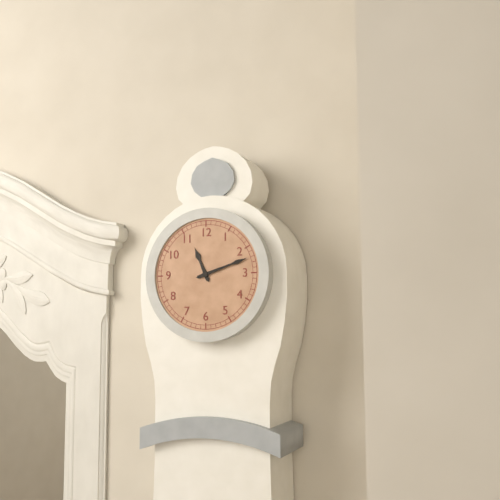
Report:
11,12
